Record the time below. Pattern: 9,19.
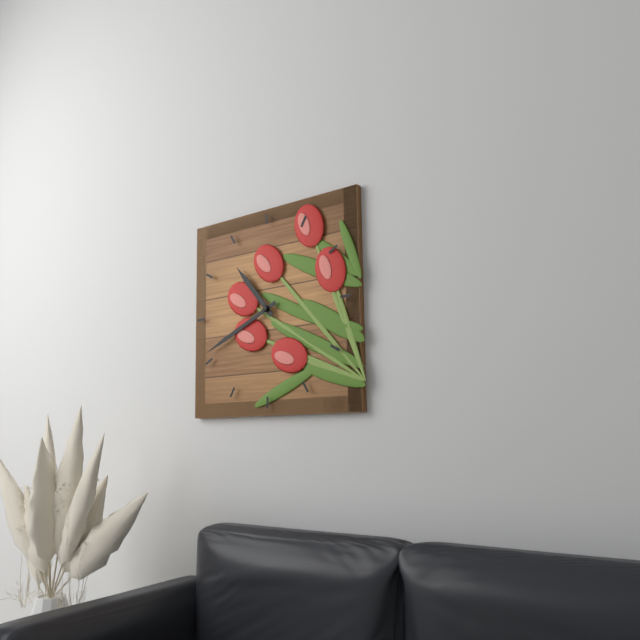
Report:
10,41
